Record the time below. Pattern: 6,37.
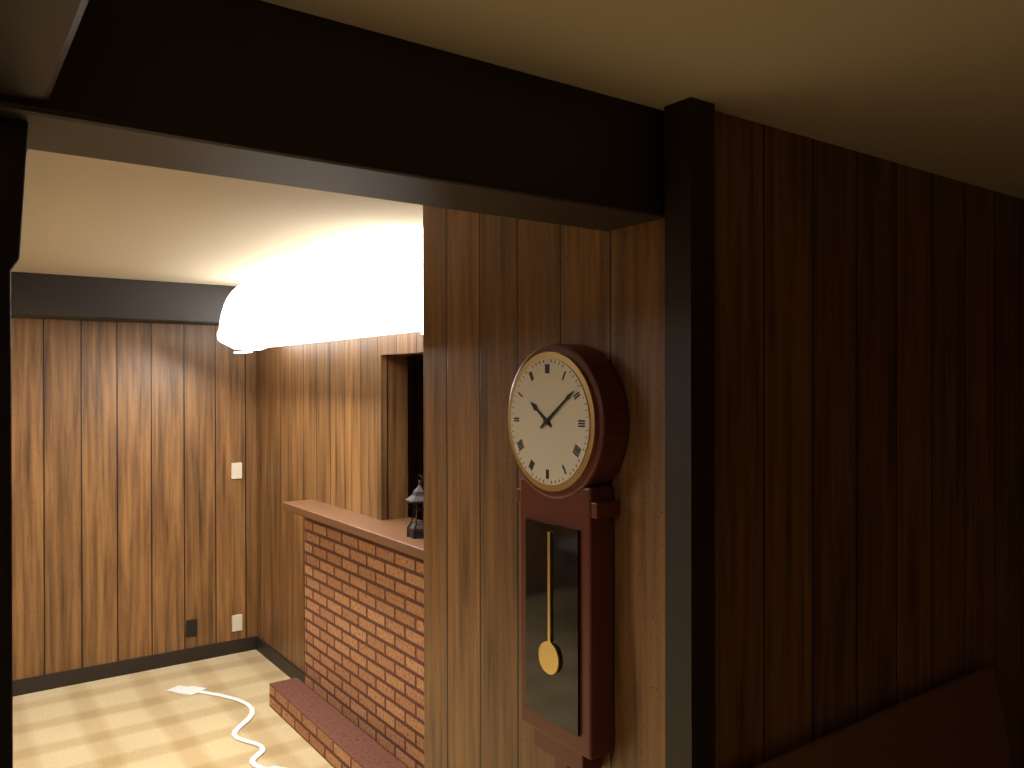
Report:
10,09
